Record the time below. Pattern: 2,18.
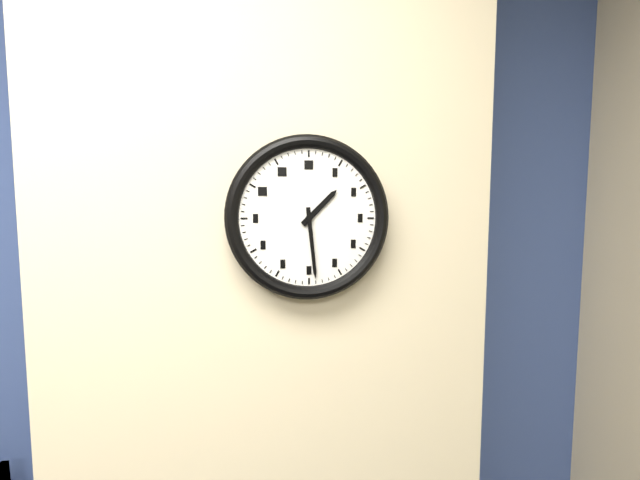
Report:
1,29
